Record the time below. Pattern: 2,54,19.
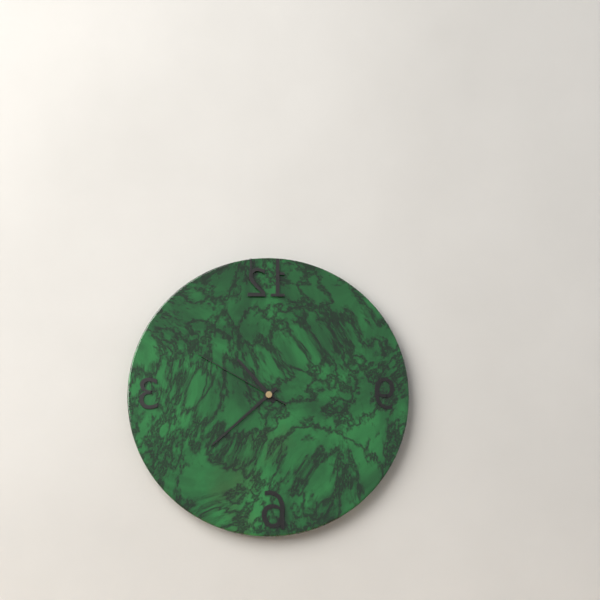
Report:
10,38,50
